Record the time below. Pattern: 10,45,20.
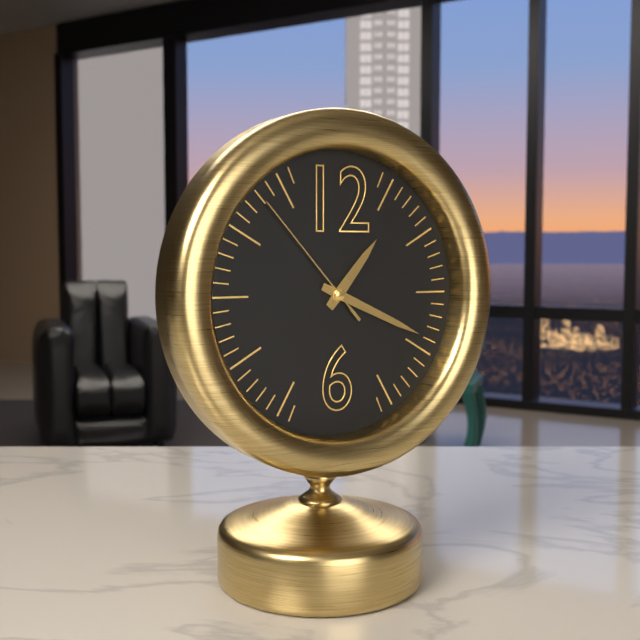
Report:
1,19,53
